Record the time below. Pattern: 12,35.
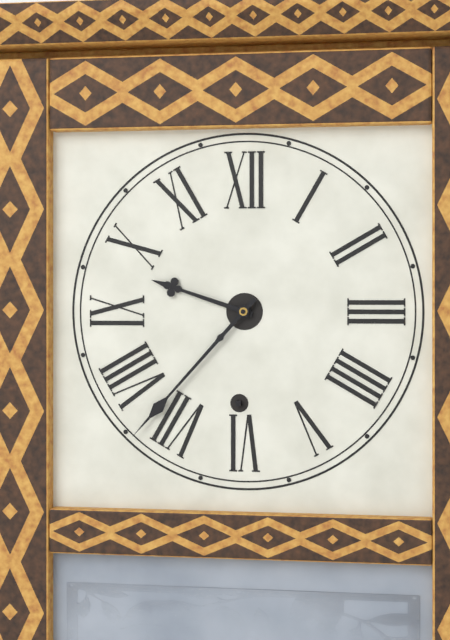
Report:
9,37
